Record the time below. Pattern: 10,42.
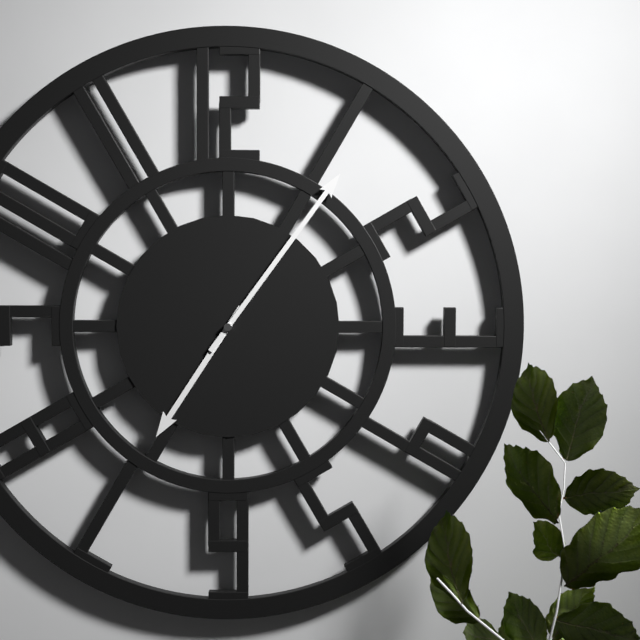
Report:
7,06
